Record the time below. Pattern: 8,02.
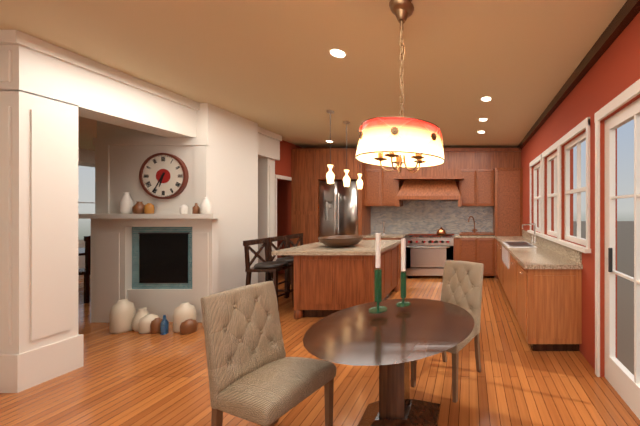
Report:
6,35
